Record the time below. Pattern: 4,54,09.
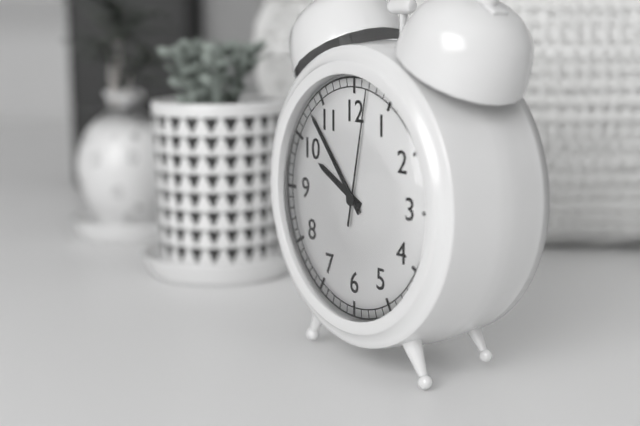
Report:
9,53,02
